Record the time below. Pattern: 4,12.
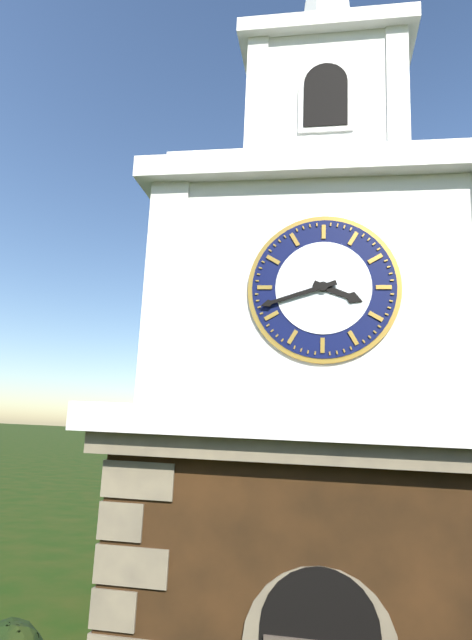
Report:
3,42
